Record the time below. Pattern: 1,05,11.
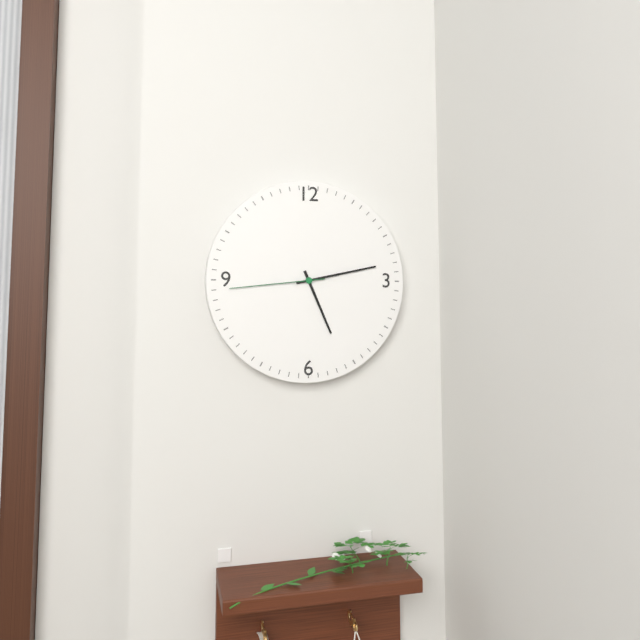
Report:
5,13,44
